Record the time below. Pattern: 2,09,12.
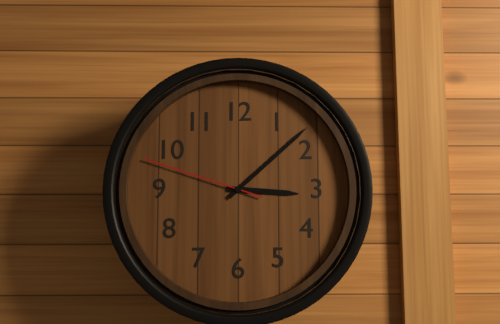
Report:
3,08,48
